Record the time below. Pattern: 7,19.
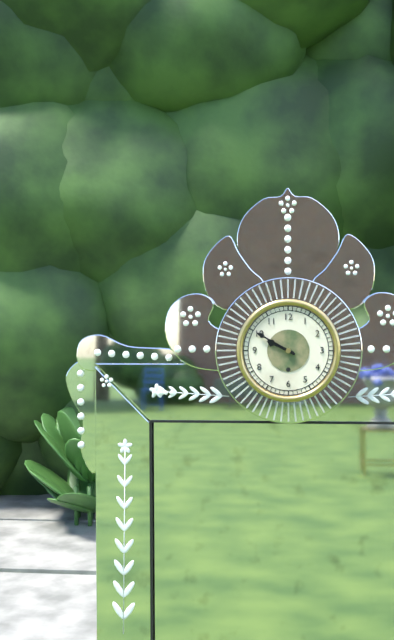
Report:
9,50
